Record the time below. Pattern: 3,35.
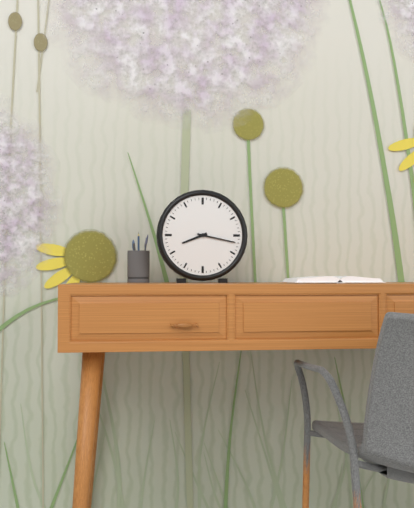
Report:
8,17
